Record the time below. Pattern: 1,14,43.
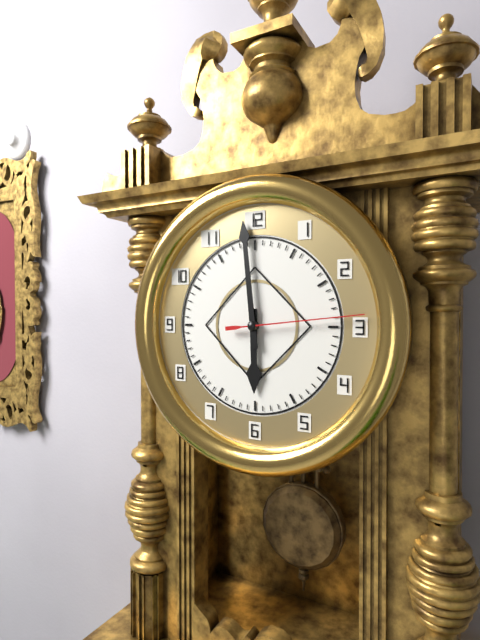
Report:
5,59,14
